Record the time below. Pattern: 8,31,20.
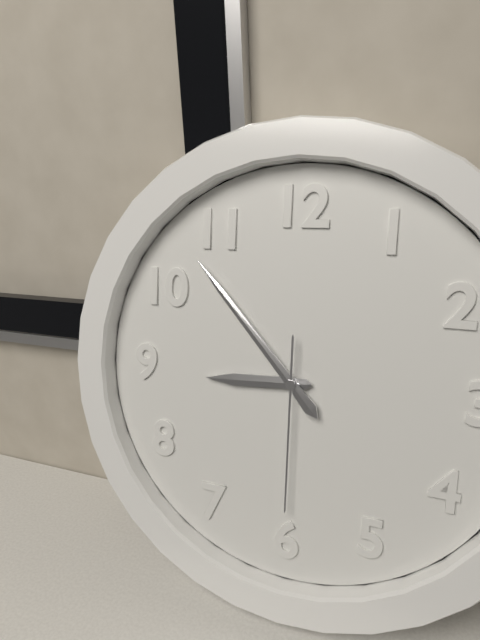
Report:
8,53,30
